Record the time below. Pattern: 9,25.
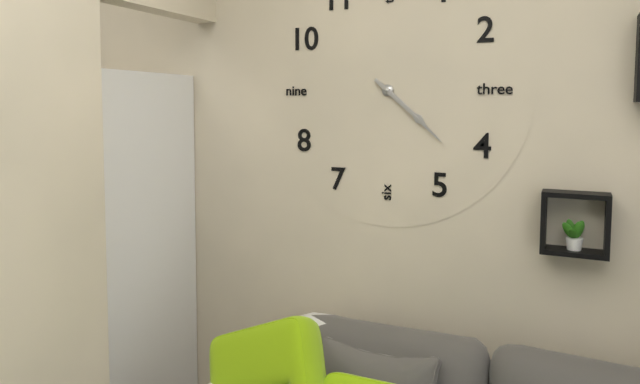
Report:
4,22
